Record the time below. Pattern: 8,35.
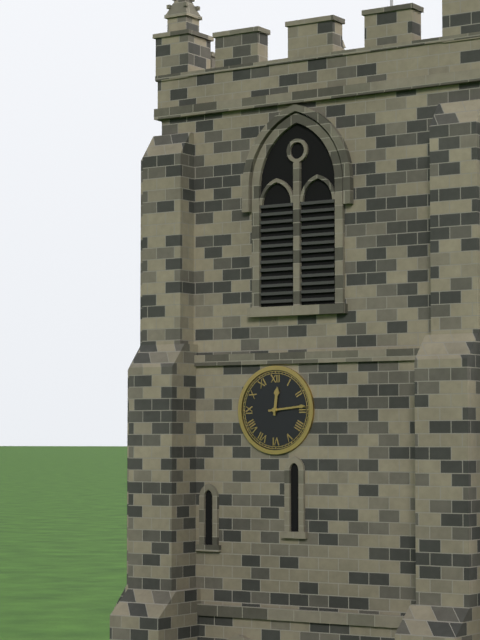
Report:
12,14
